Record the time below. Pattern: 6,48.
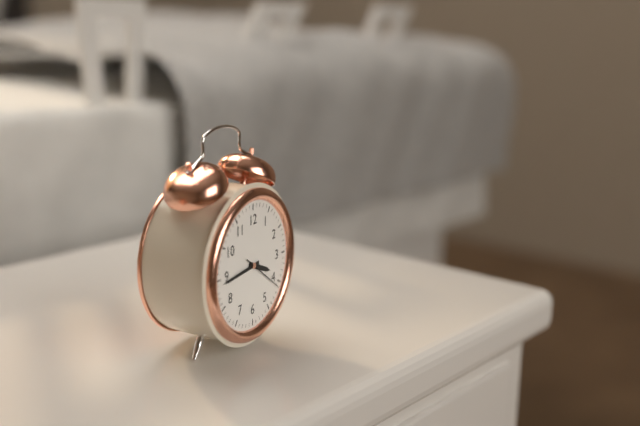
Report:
3,44
